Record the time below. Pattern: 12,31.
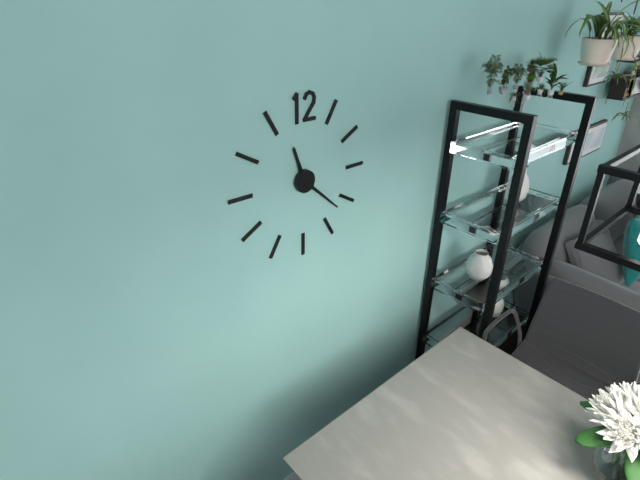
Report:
11,22
